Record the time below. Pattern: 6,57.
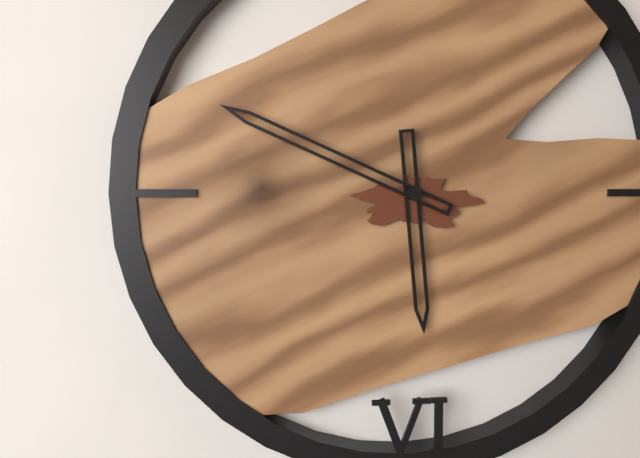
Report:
5,49
